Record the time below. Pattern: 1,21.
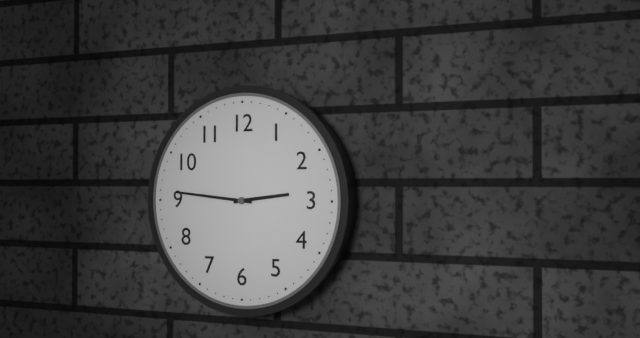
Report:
2,46
